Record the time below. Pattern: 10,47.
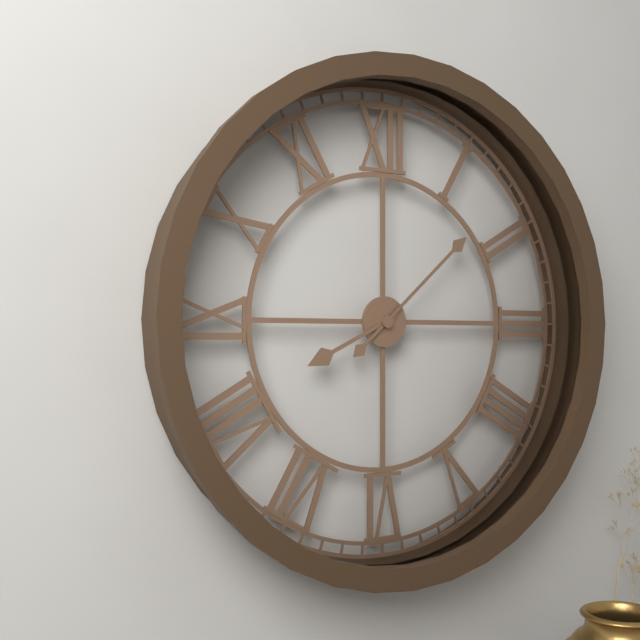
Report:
8,08
